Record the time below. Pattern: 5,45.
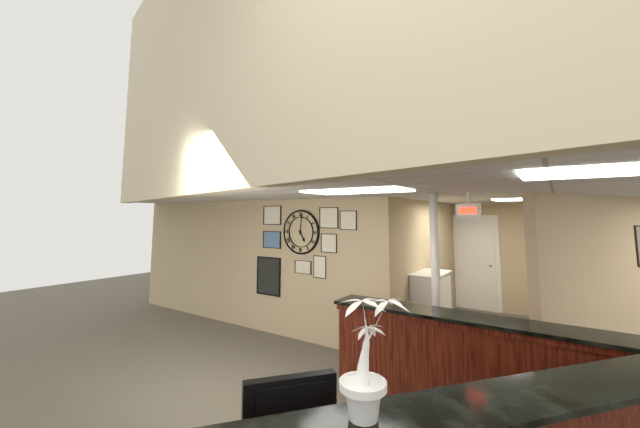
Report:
5,01
